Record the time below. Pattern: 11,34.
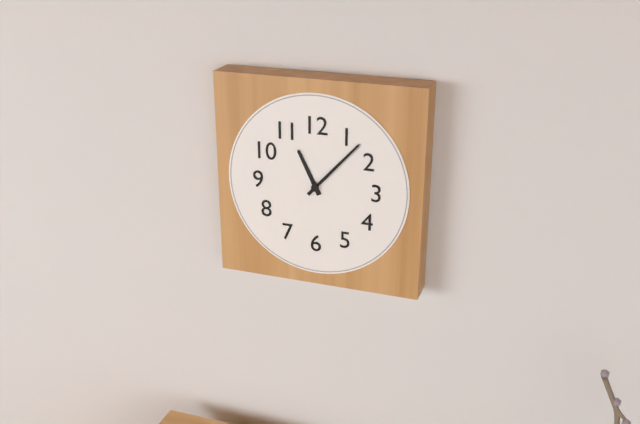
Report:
11,07
